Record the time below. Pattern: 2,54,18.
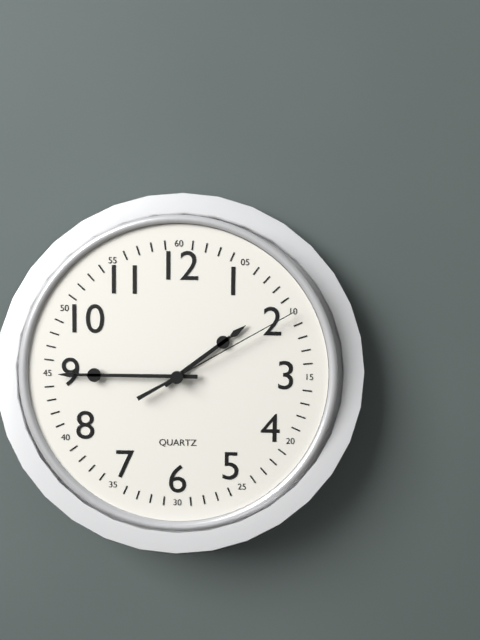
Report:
1,45,10
